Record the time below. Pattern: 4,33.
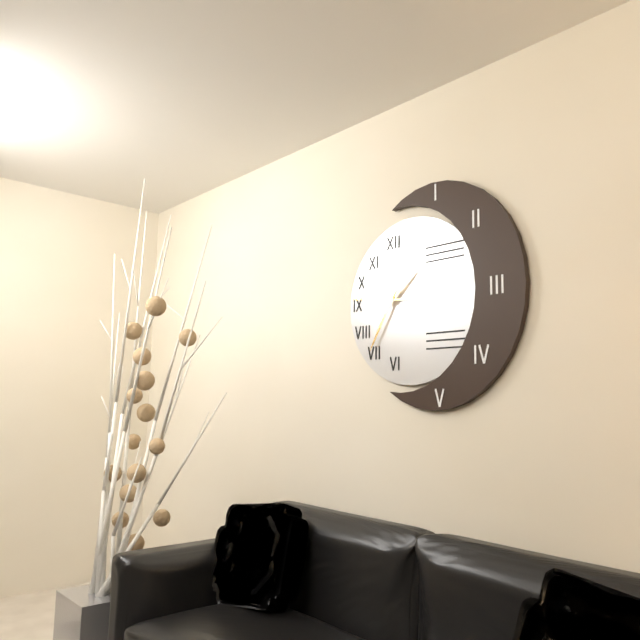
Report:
1,35
